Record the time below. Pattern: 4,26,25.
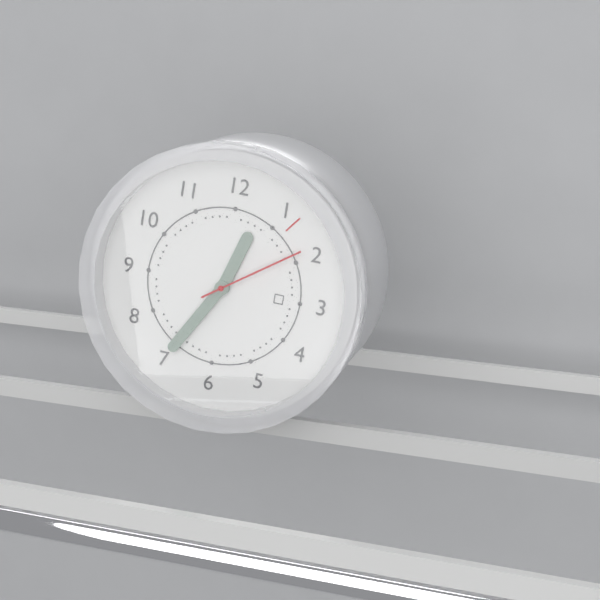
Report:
12,35,09
